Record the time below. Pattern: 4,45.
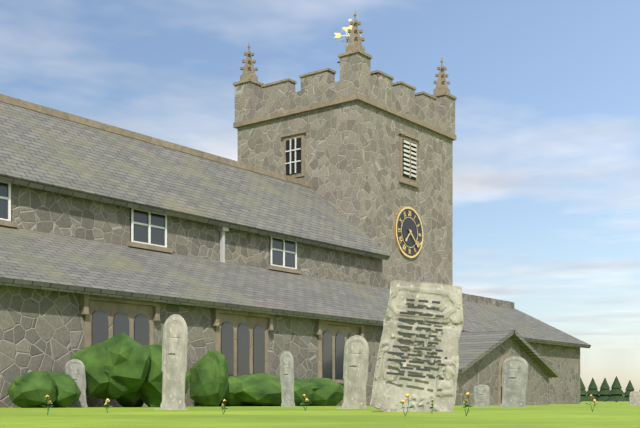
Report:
7,22
